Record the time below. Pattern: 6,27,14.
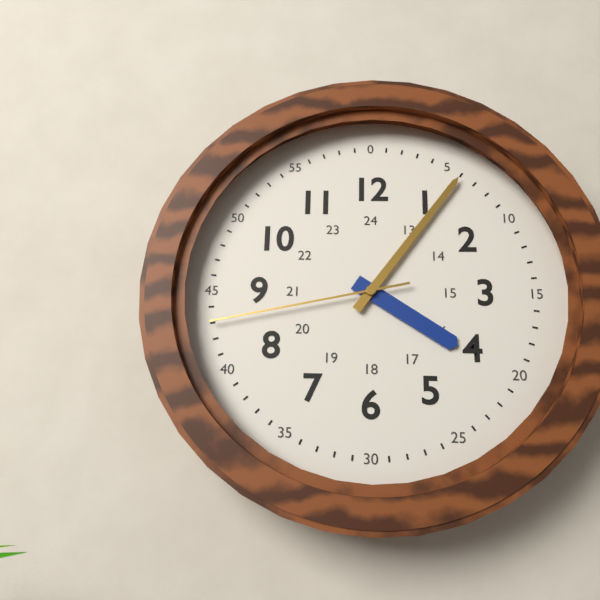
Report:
4,06,43
